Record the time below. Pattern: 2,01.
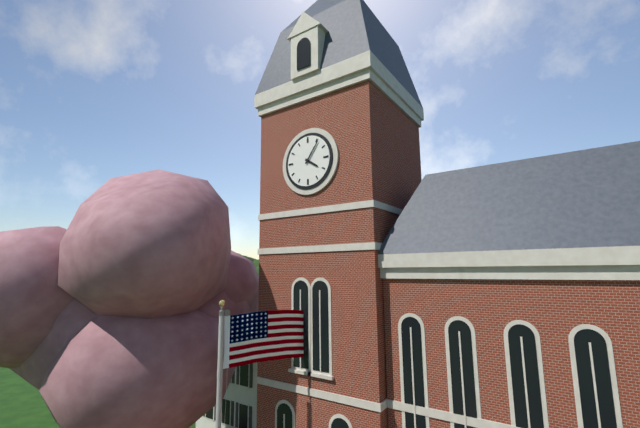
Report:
4,06
